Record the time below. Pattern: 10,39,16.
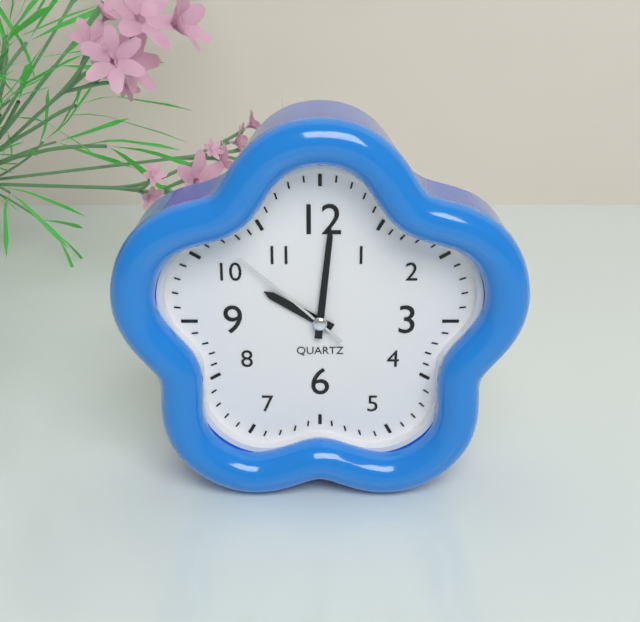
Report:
10,01,52
